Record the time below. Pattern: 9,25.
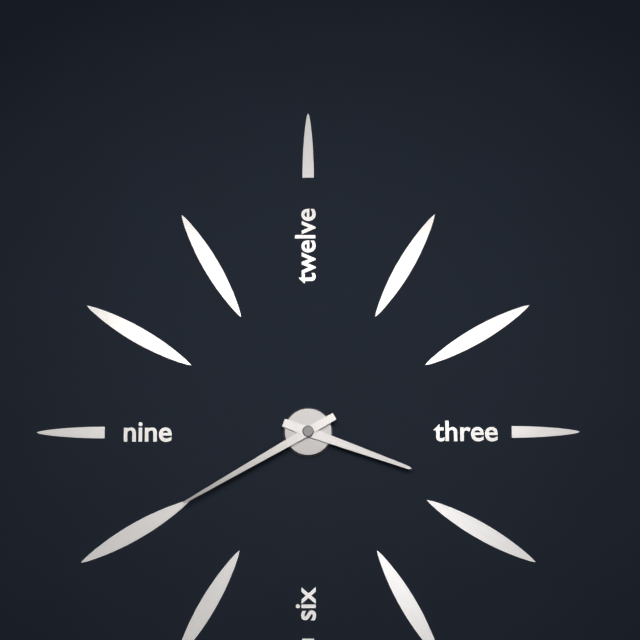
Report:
3,40
